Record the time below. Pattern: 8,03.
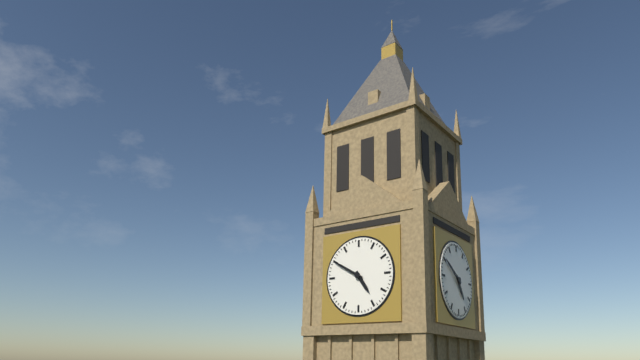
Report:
4,50
